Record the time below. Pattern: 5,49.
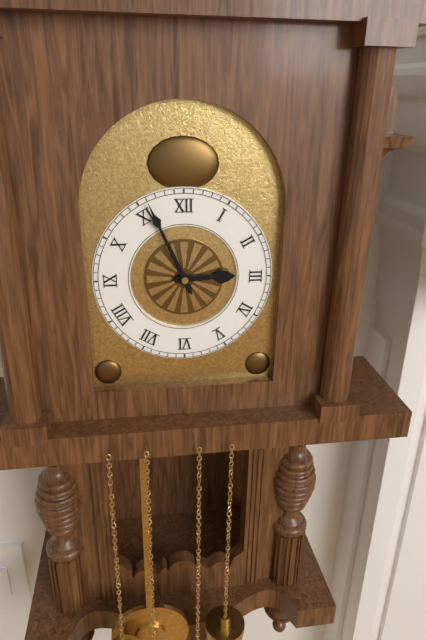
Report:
2,56
